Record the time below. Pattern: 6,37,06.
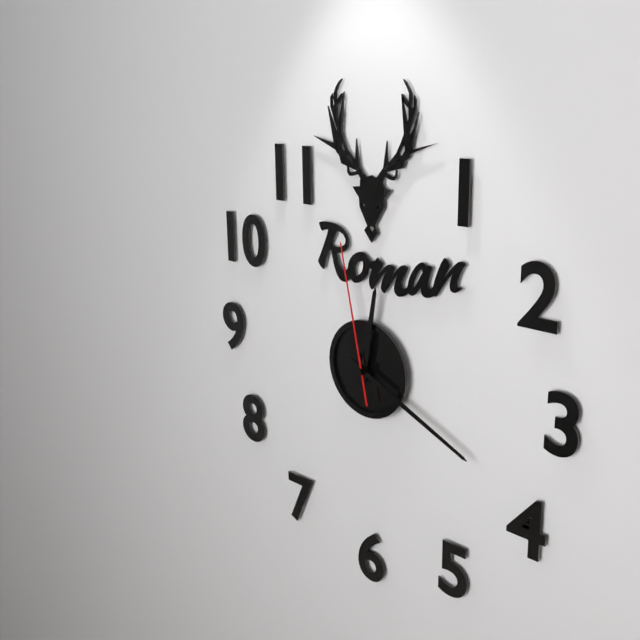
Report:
12,19,58
